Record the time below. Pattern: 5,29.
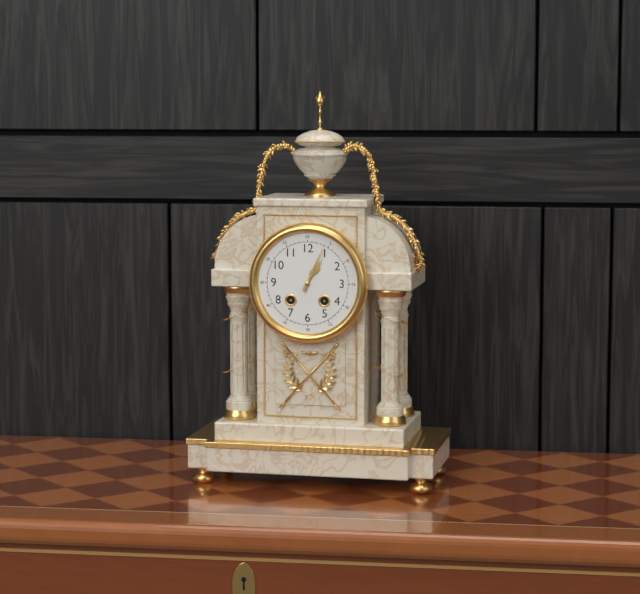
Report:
1,04
